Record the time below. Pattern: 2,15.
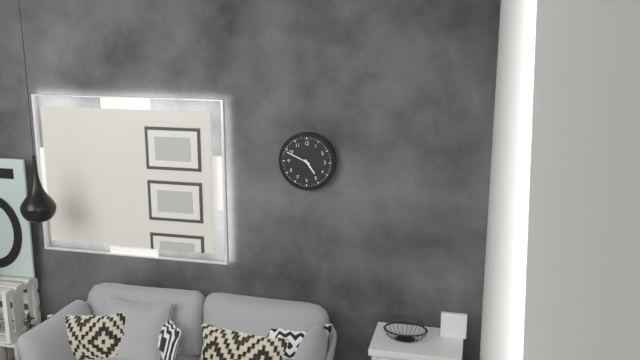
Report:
4,49
